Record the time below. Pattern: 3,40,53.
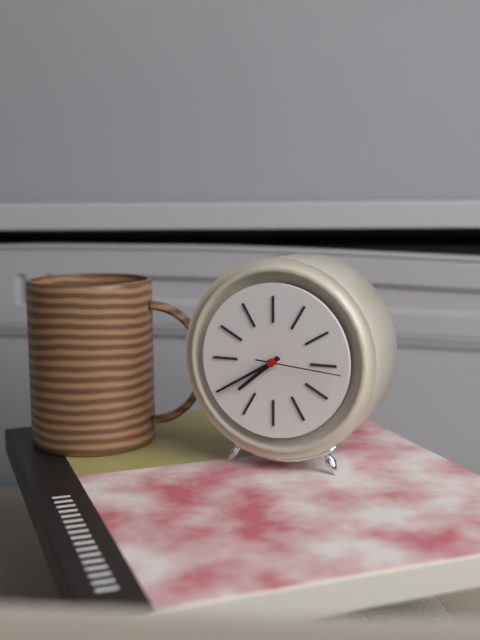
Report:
7,40,16
